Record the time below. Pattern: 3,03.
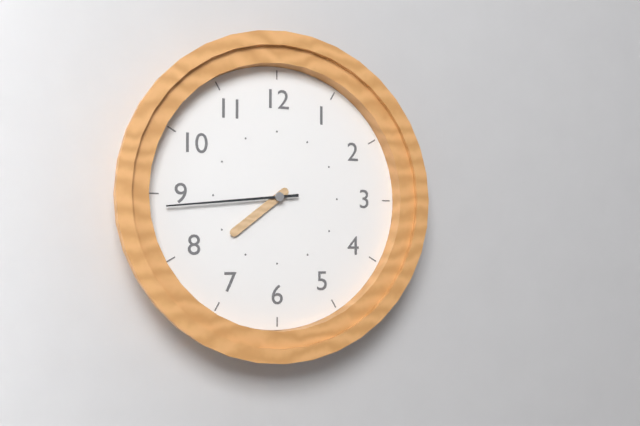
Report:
7,44
